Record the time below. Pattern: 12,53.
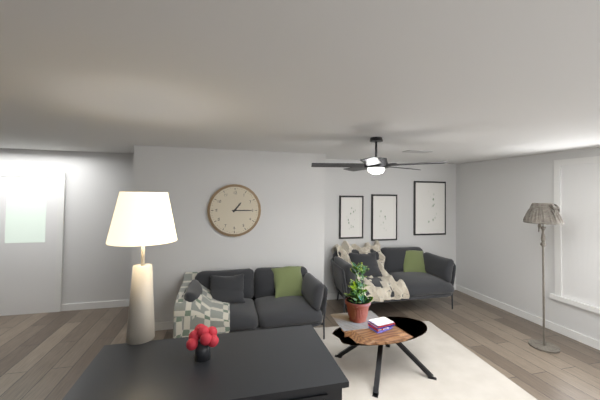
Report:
1,15
